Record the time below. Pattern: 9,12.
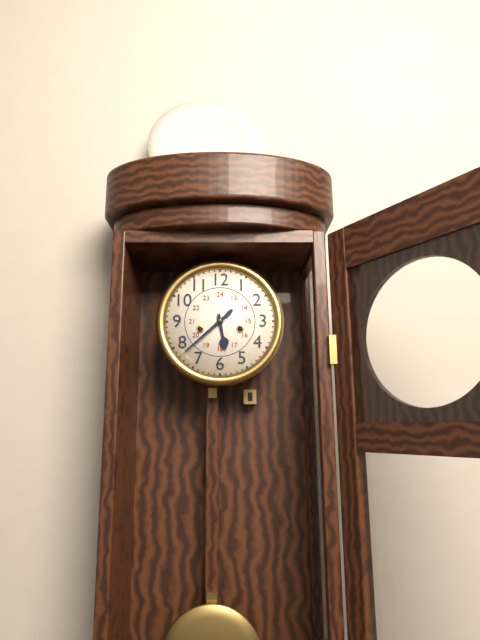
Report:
5,38
